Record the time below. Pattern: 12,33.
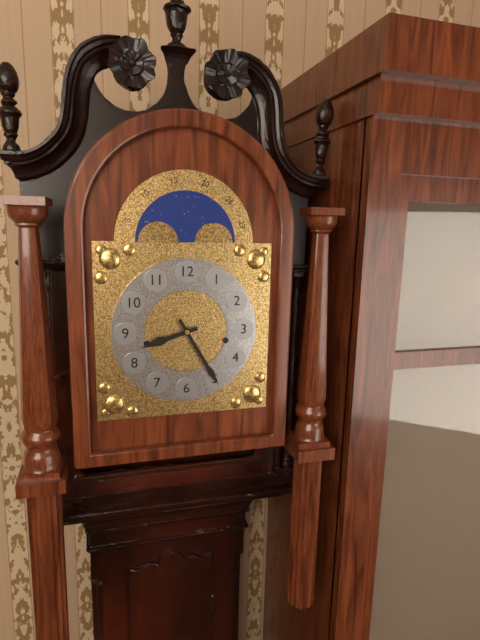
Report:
8,25
